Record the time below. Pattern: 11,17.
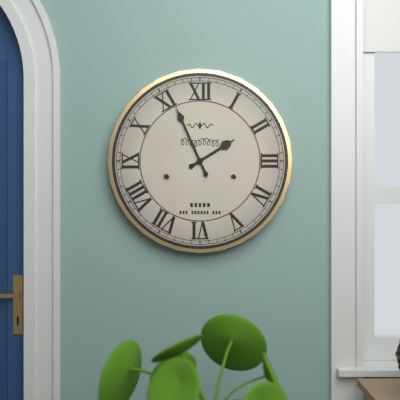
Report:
1,56
